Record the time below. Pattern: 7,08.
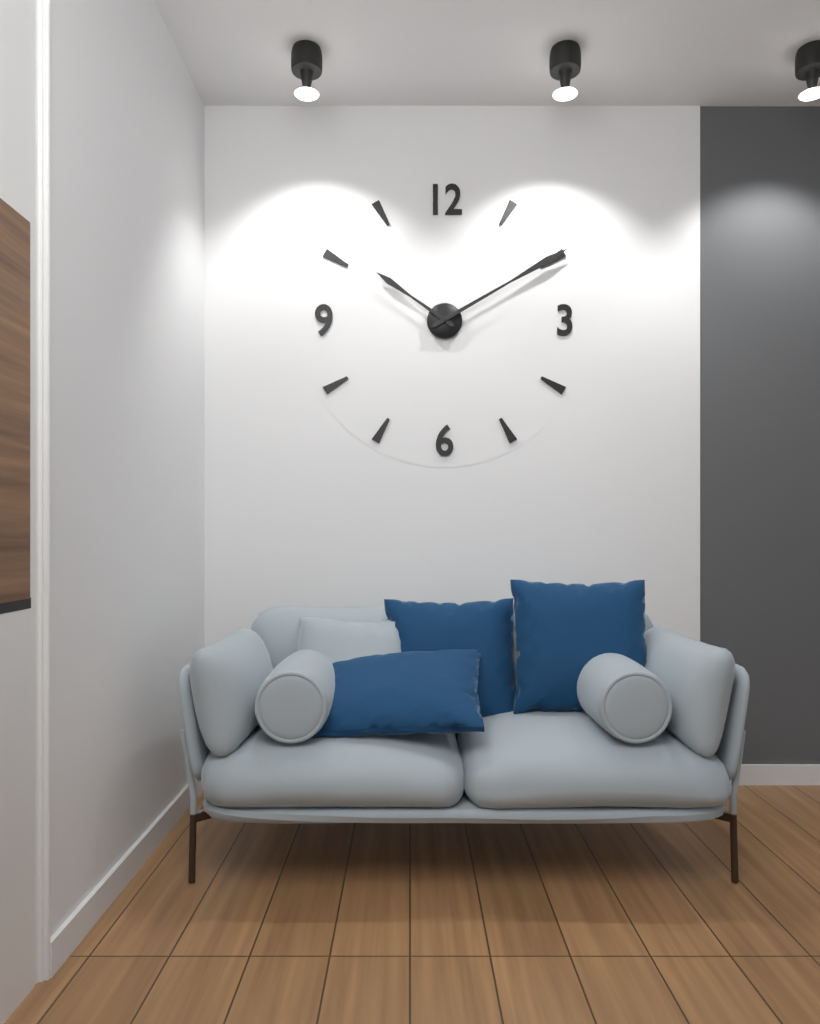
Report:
10,10
